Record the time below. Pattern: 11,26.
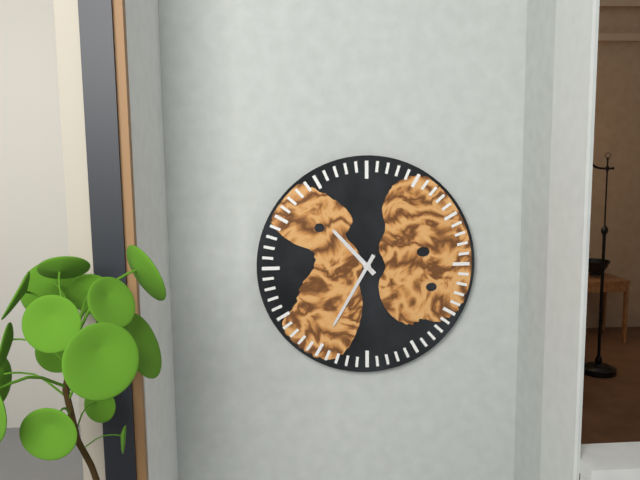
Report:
10,35
